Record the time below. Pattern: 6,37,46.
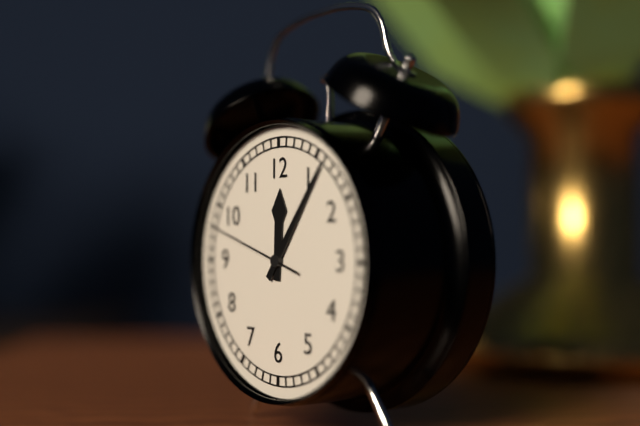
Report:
12,06,48
